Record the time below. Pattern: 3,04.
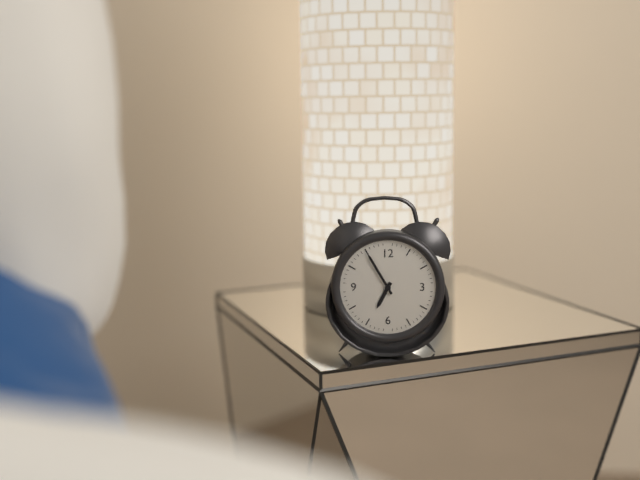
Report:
6,55
